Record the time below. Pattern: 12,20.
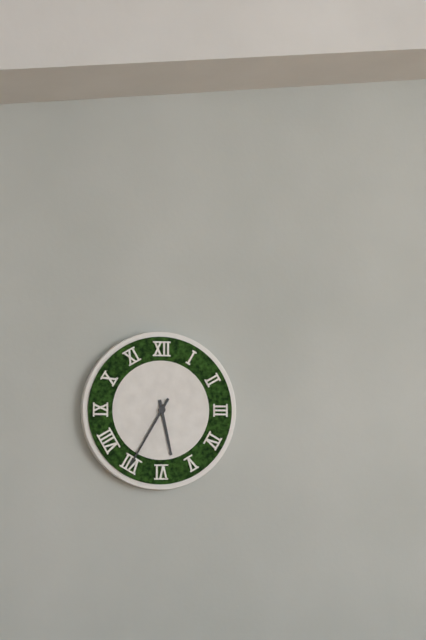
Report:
5,35
